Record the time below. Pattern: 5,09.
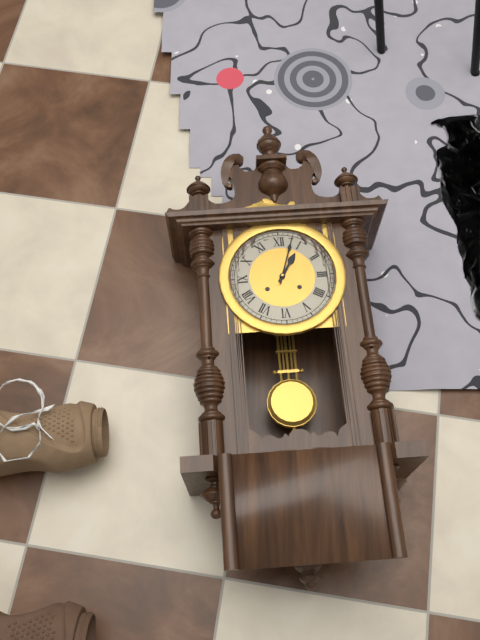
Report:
1,03
